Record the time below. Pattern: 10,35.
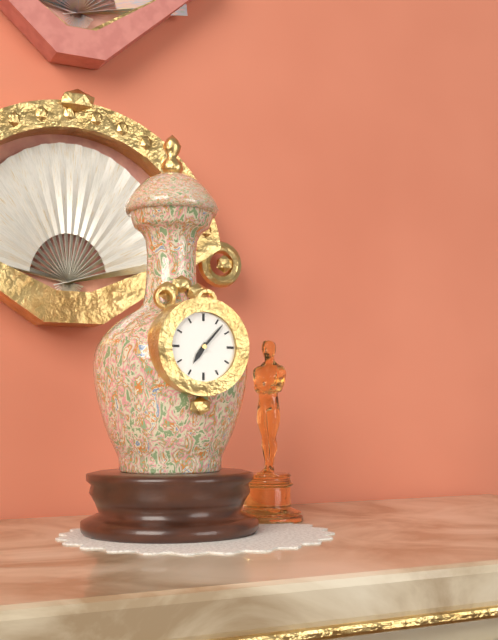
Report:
7,07
